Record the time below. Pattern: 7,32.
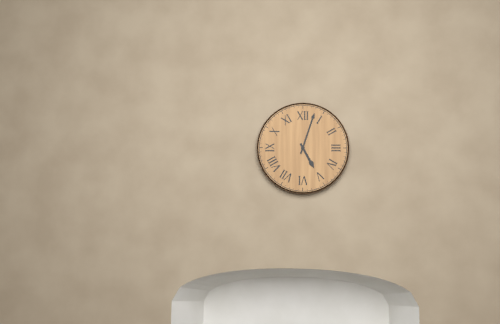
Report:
5,03
